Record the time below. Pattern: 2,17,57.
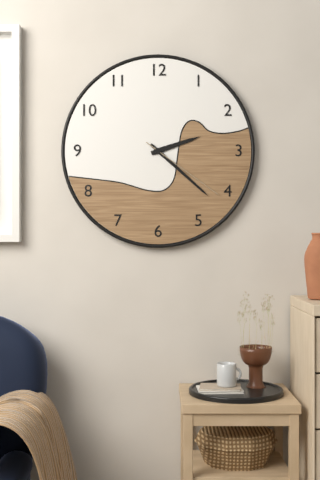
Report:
2,22,21
